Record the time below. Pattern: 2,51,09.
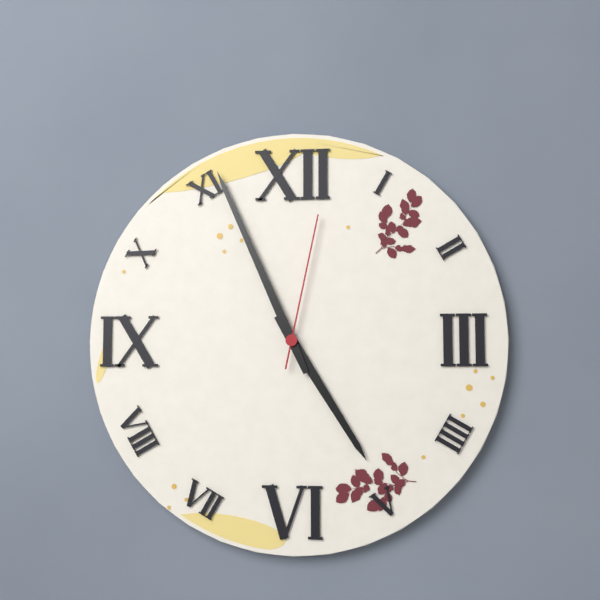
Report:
4,56,02
